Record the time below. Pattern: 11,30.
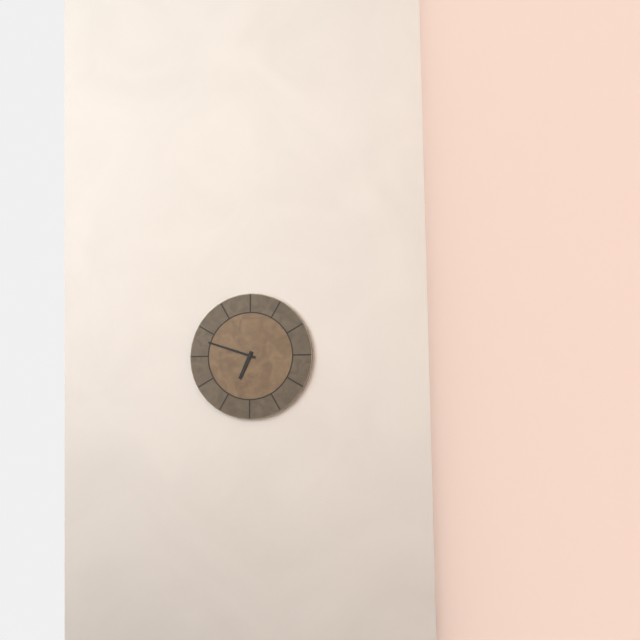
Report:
6,48
